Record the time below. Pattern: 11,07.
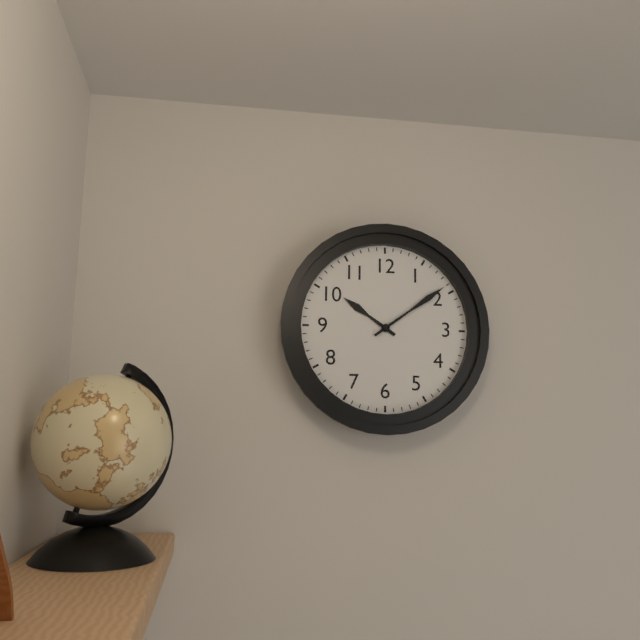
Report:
10,09
